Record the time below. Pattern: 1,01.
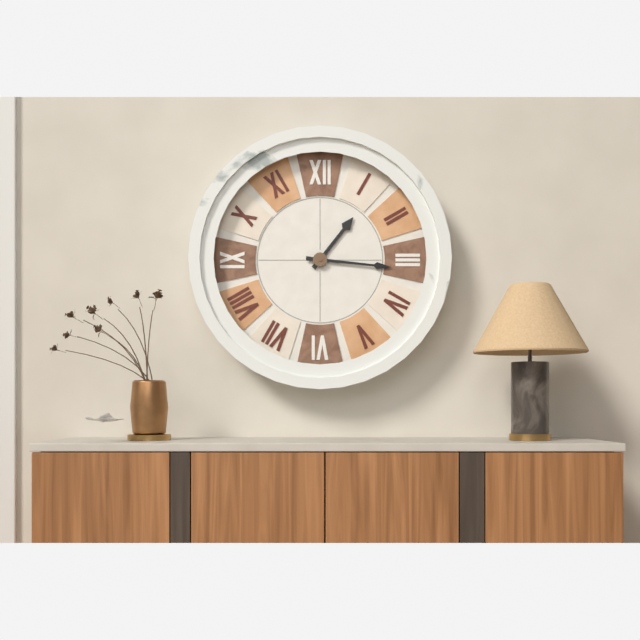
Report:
1,16
